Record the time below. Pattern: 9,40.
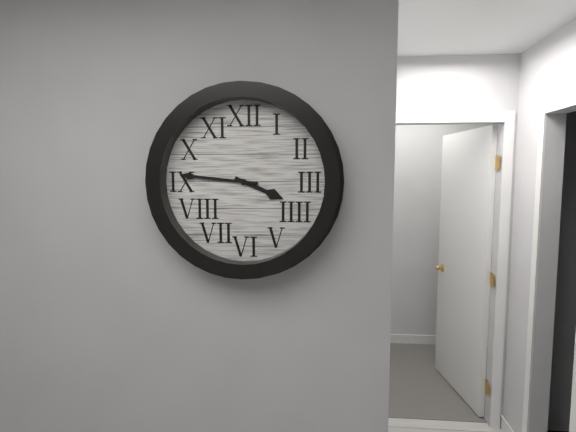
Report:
3,46
